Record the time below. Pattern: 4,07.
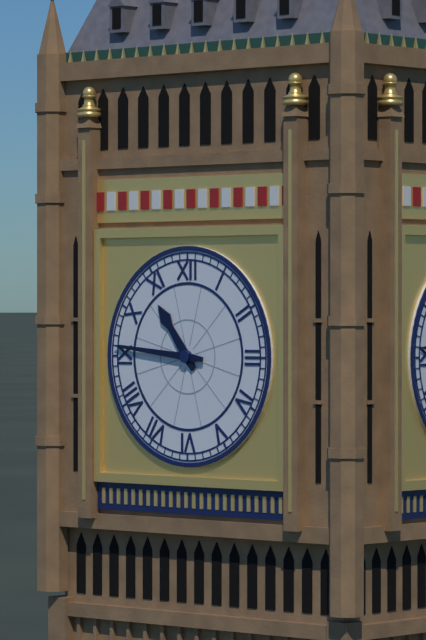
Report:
10,46
